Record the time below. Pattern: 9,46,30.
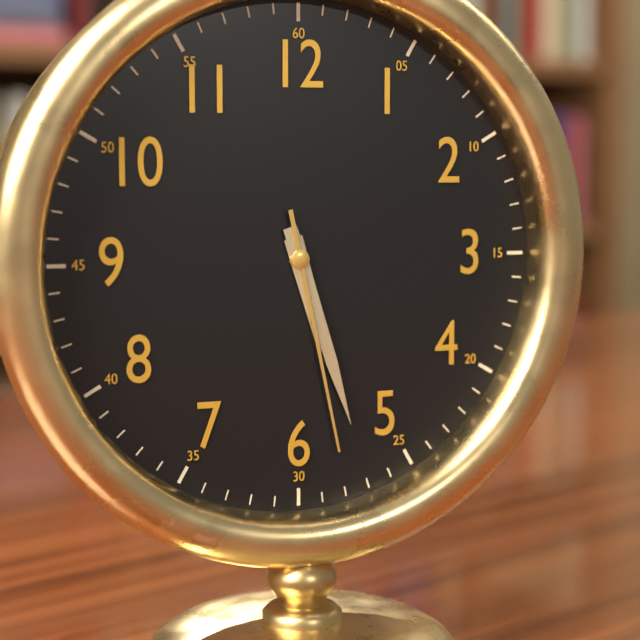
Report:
5,27,28
